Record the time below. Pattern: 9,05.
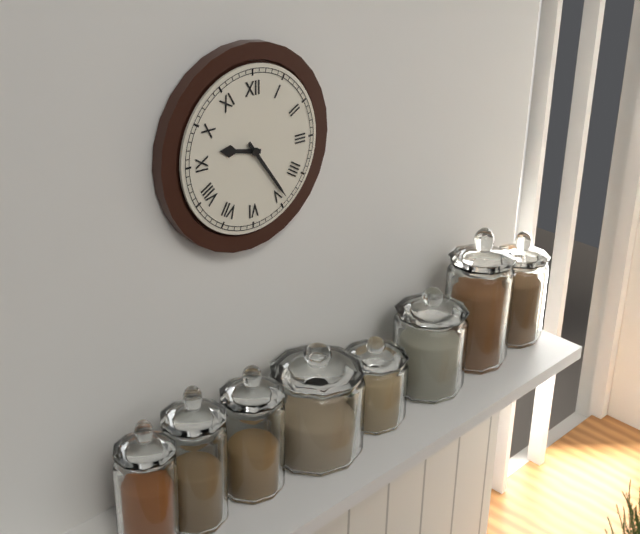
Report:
9,24
